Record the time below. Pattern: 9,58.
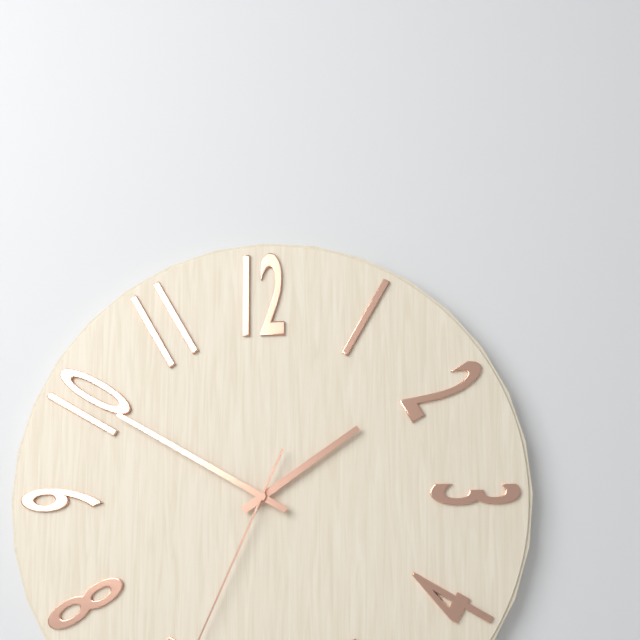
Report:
1,50
